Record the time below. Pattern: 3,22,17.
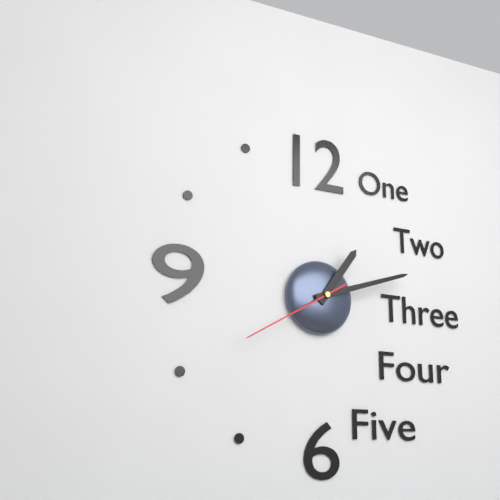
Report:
1,12,40
